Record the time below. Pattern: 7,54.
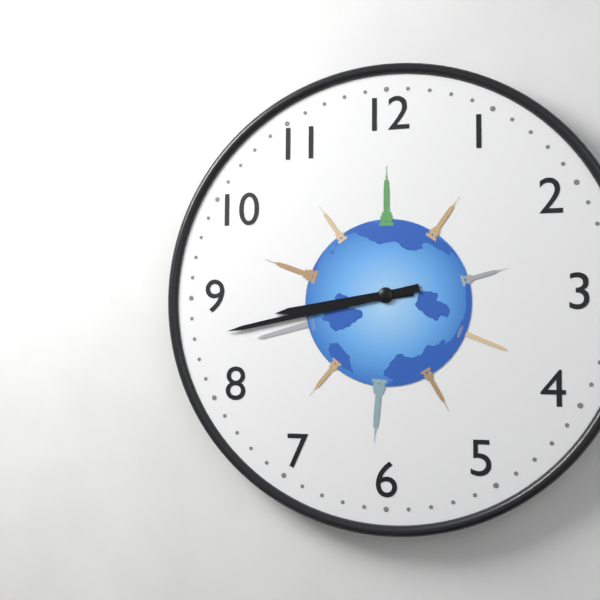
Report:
8,43
